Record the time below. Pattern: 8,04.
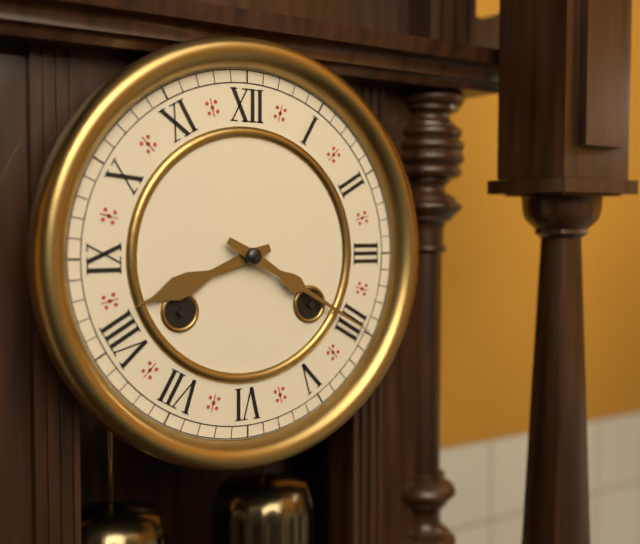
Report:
8,20
